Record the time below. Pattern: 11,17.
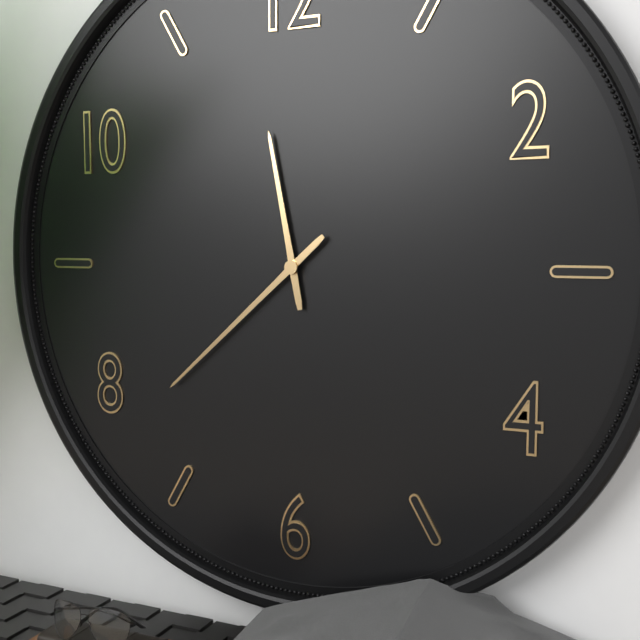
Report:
11,38
